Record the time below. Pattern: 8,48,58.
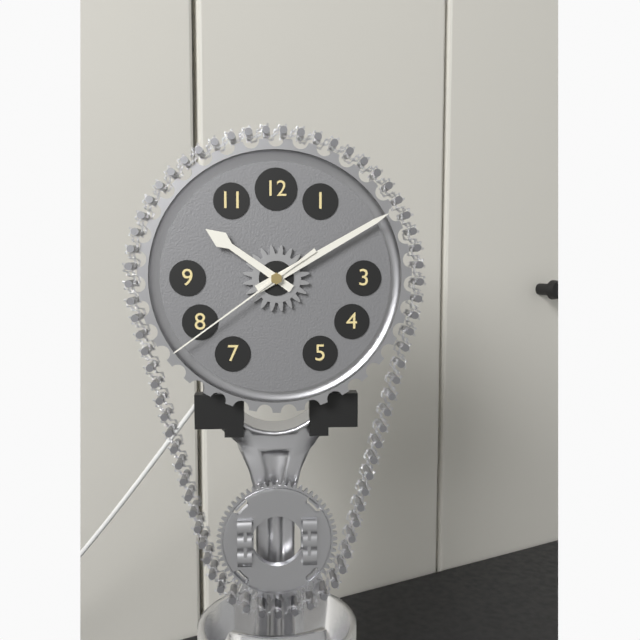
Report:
10,10,39
